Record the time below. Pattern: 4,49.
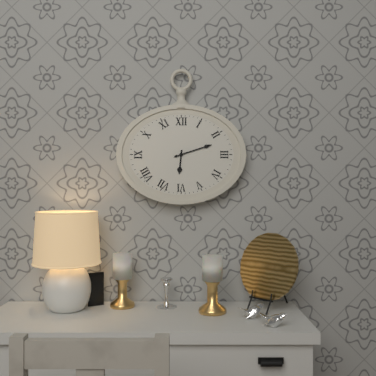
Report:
6,12
